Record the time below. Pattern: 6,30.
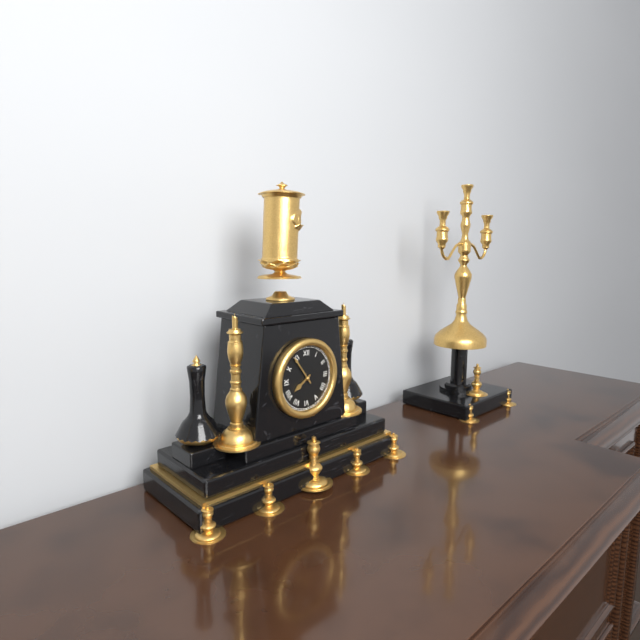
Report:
7,54
